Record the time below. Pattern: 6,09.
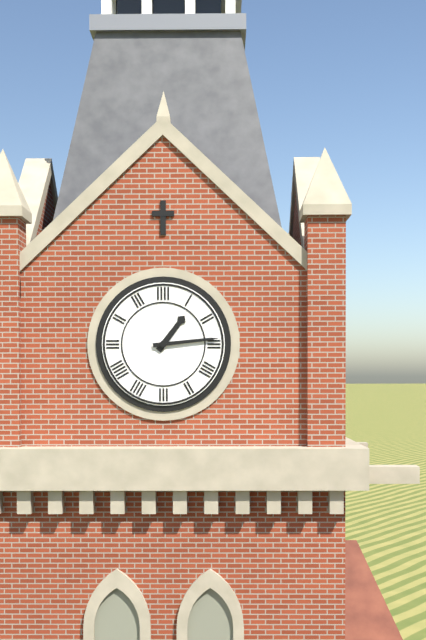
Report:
1,14
